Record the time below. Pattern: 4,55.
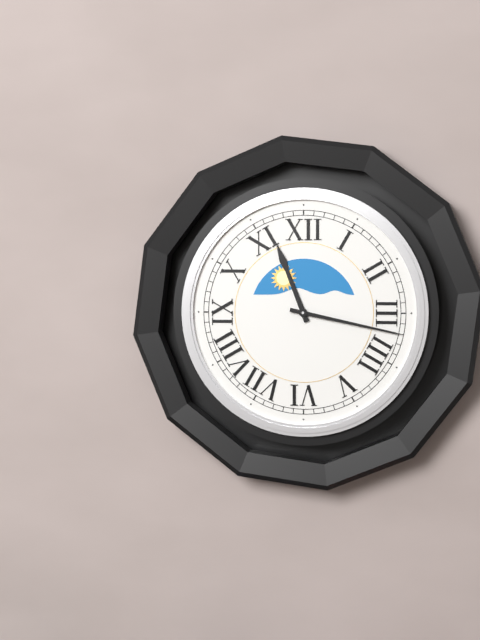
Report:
11,17
